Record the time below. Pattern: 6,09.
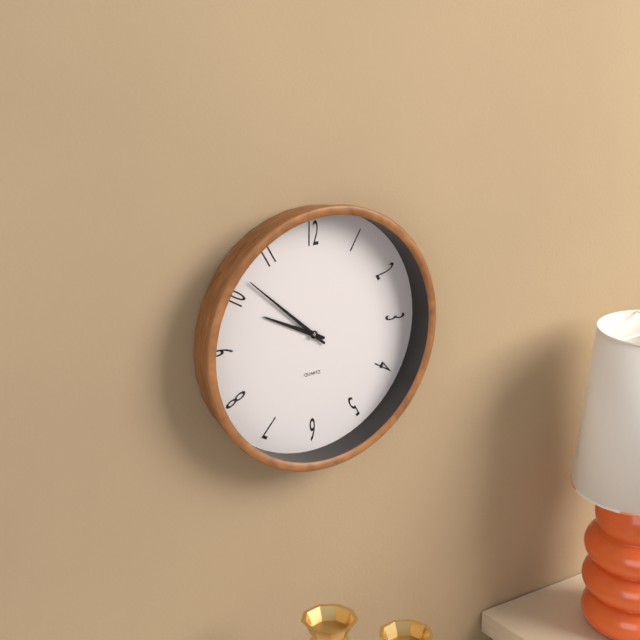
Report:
9,52
